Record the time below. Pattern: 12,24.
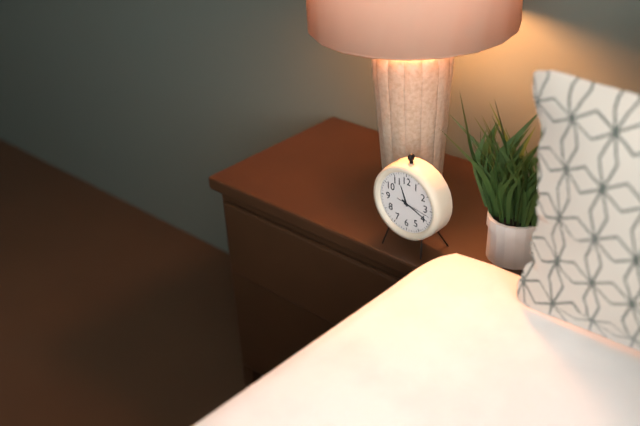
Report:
11,19
